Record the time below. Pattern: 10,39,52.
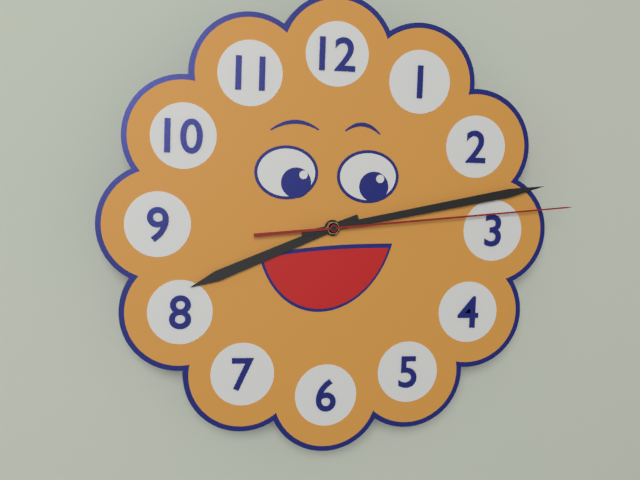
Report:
8,13,14
